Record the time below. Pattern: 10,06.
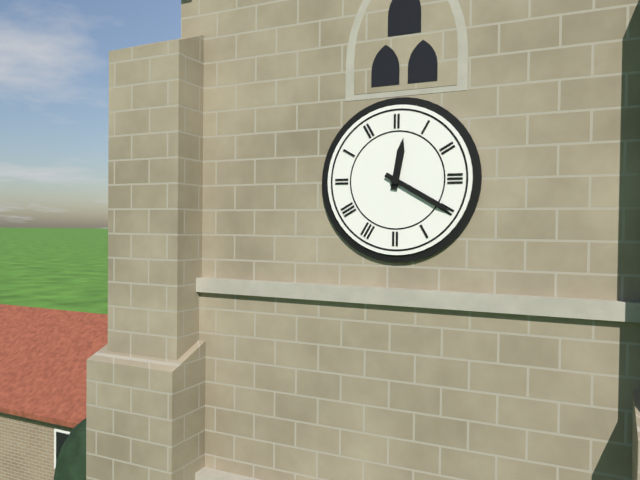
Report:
12,20
